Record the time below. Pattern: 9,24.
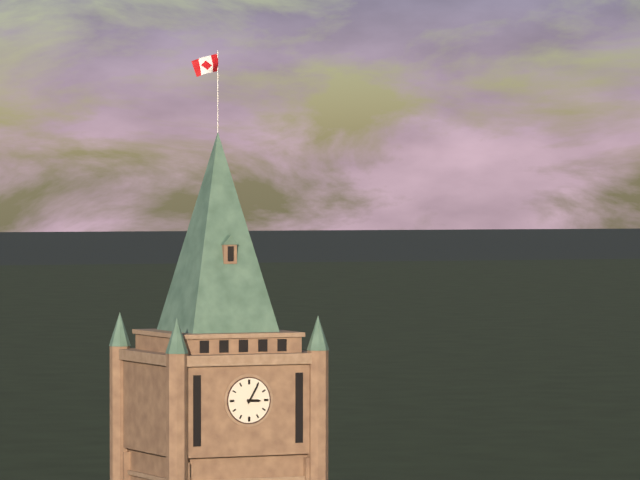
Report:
3,05
